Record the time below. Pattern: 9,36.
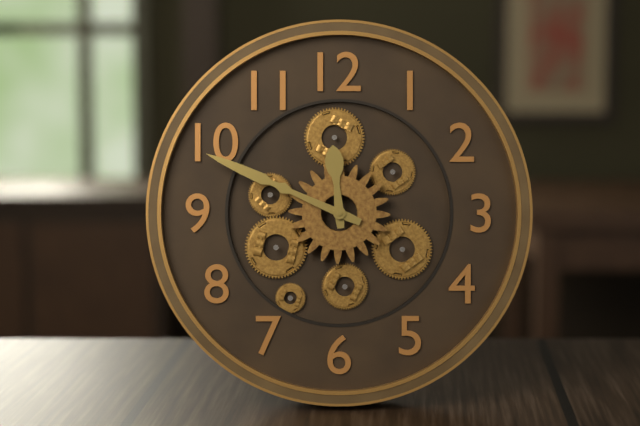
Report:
11,49
